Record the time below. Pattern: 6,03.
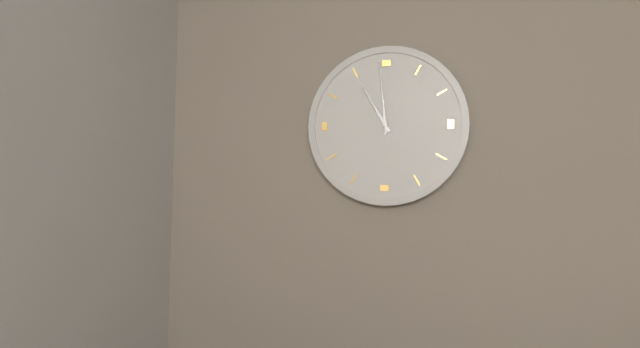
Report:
10,59
